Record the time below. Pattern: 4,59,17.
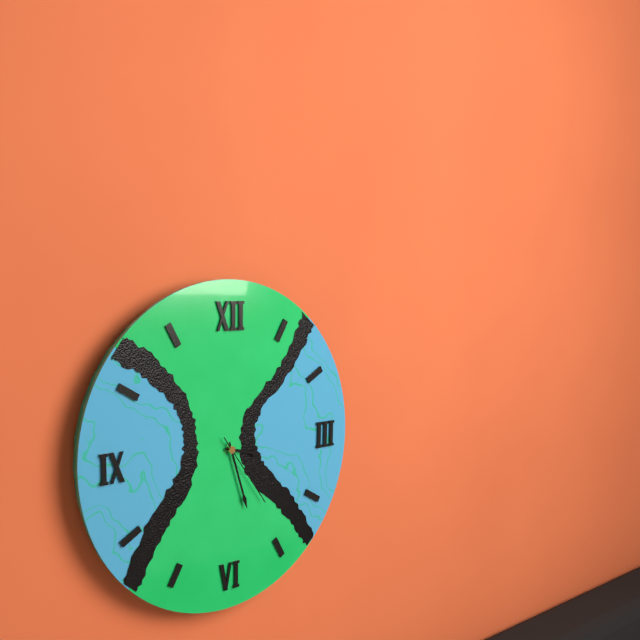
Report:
3,27,24
